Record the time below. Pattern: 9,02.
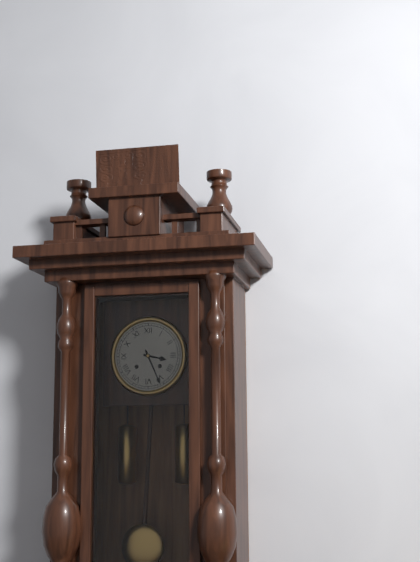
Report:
3,26
